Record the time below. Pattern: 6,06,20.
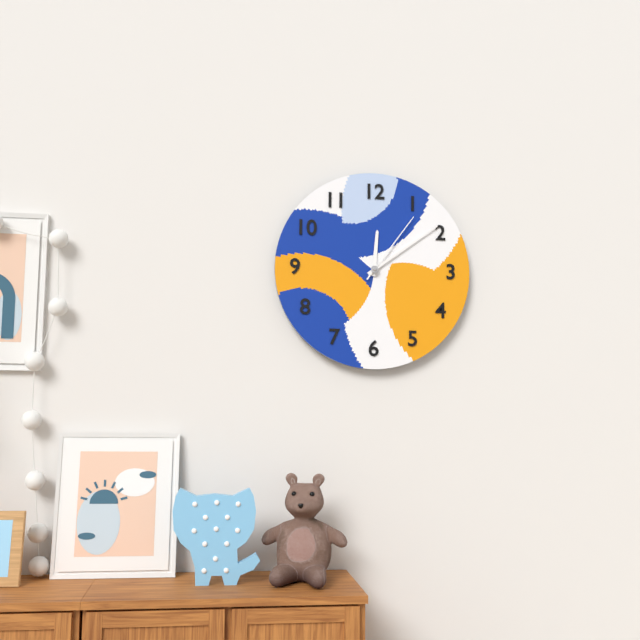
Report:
12,09,06
